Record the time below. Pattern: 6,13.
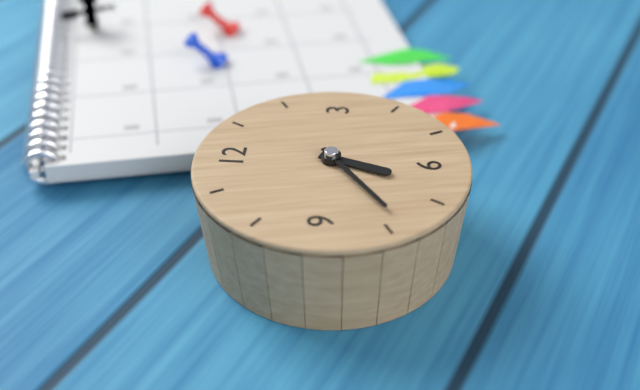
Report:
6,39
